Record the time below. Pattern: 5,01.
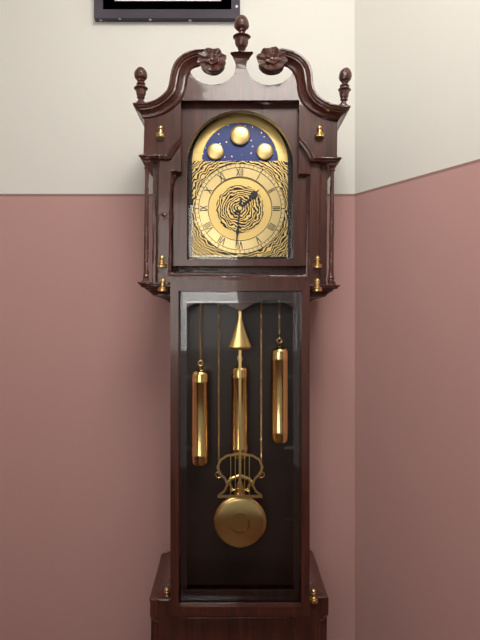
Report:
1,31
